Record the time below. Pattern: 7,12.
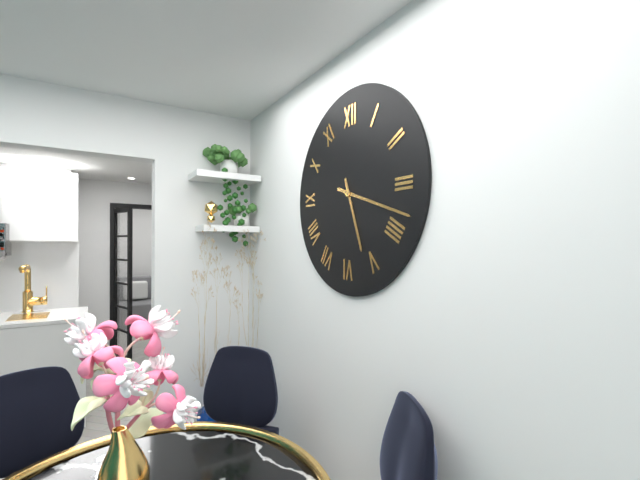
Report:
5,18
